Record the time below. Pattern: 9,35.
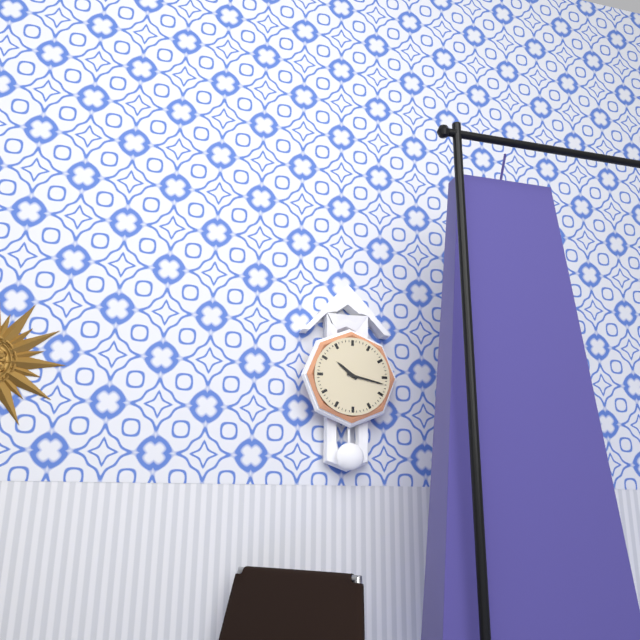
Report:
10,17
